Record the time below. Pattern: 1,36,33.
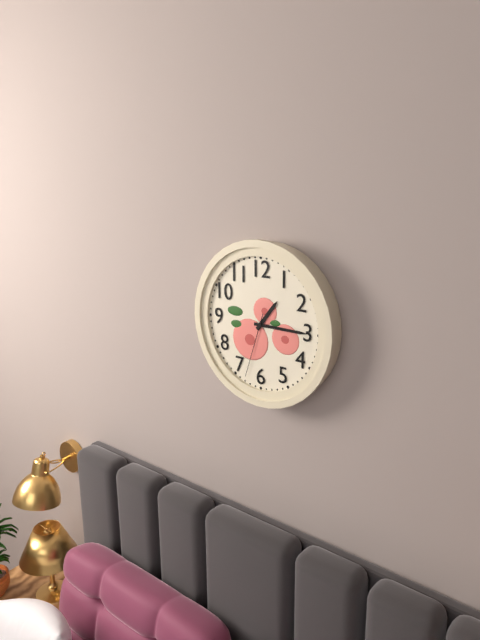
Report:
1,15,33
